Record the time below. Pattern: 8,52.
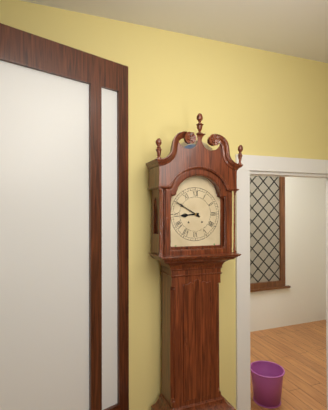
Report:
8,50
